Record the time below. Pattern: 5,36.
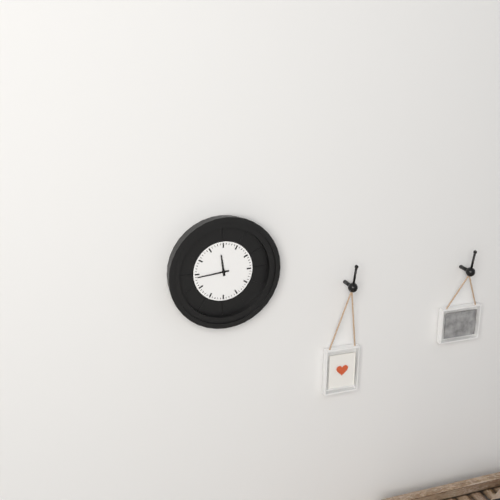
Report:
11,44
